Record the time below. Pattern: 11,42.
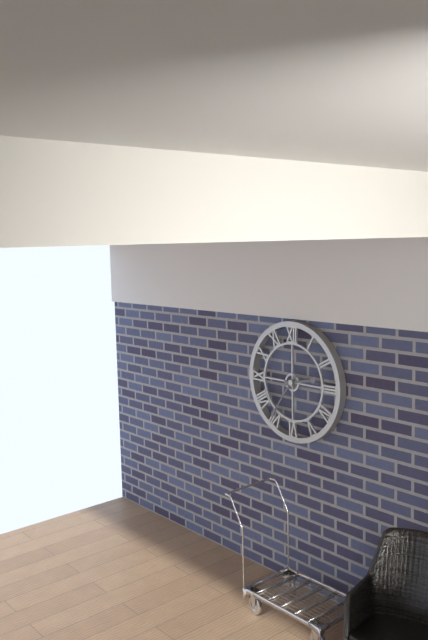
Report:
2,36
